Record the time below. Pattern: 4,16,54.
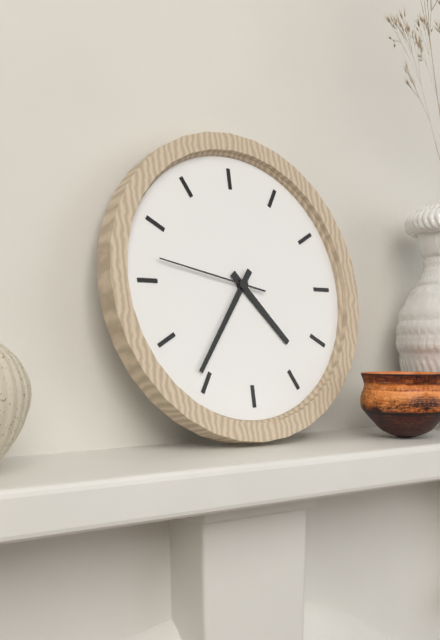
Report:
4,36,47
